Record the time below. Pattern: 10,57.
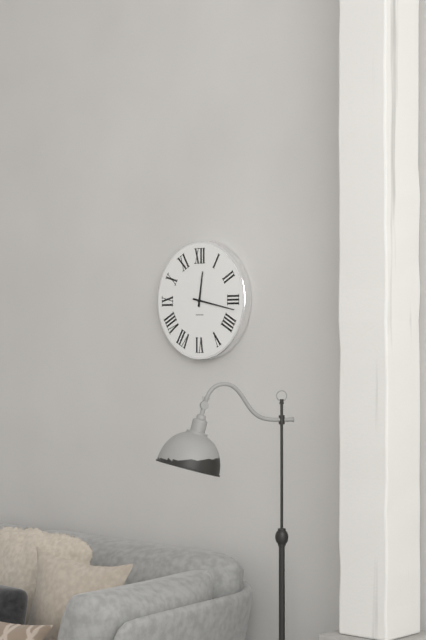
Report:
12,17
